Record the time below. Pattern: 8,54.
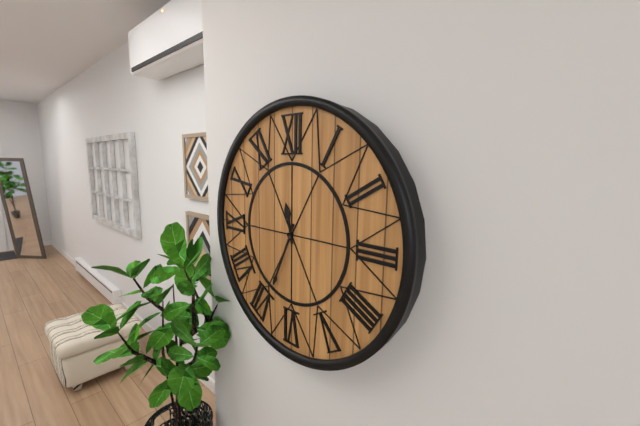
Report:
11,34
